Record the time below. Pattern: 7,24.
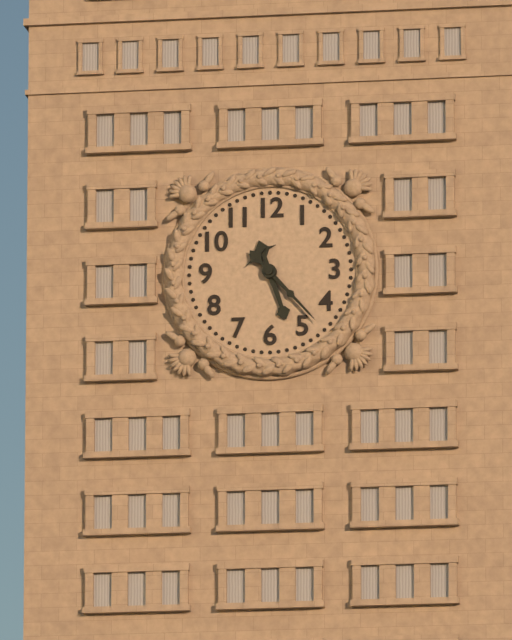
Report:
5,23
